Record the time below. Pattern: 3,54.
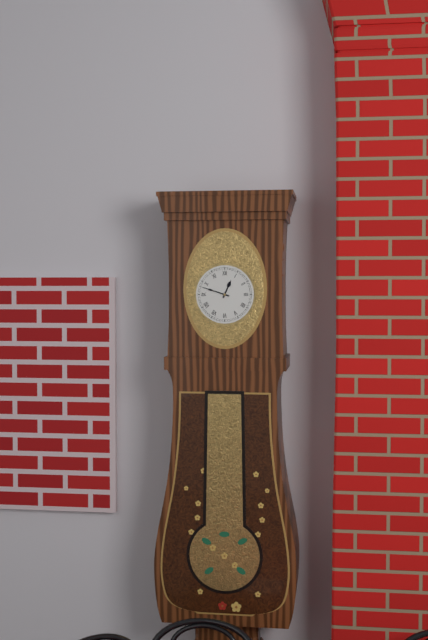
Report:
12,48
